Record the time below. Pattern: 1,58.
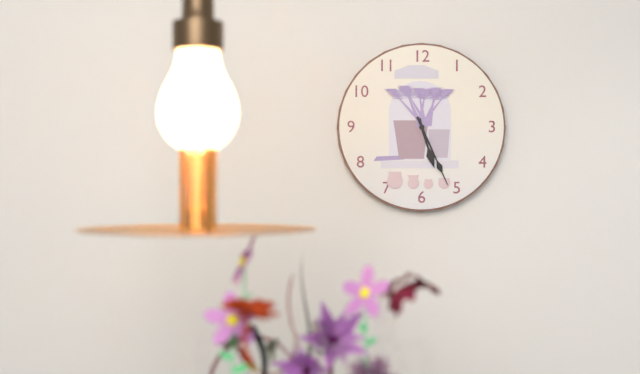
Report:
5,26
